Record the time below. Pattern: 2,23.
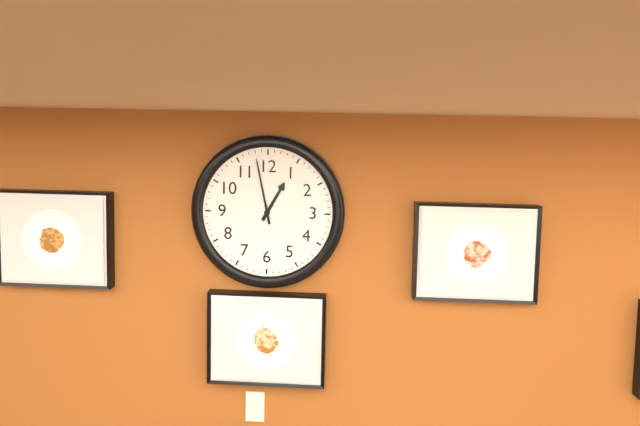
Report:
12,58
